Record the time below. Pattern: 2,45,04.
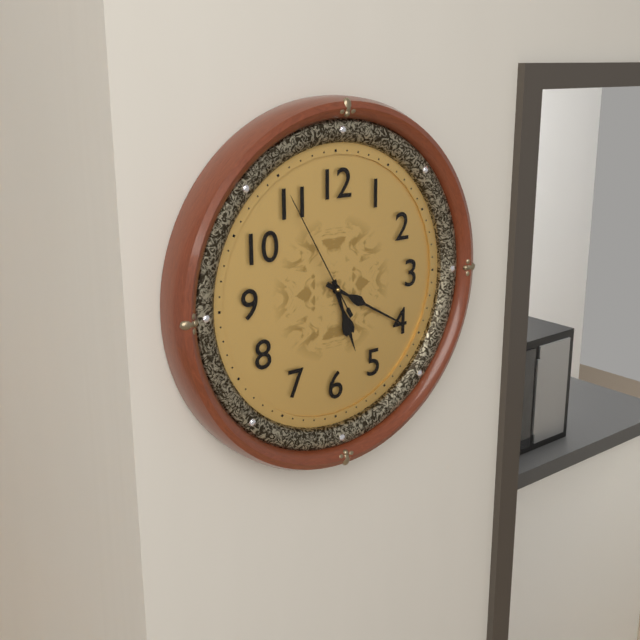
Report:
5,20,55
